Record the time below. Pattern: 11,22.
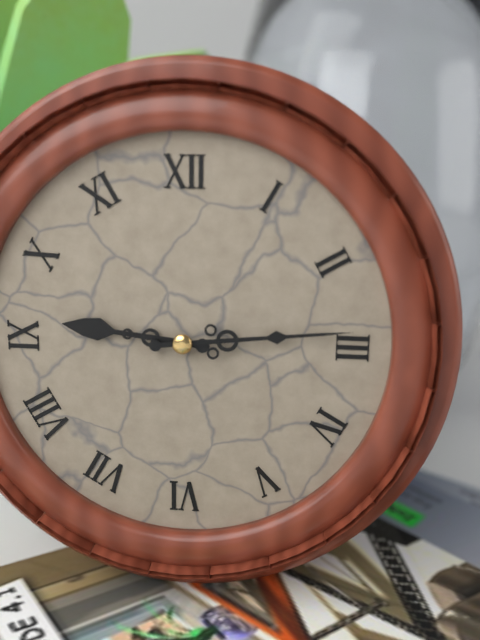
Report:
9,14
